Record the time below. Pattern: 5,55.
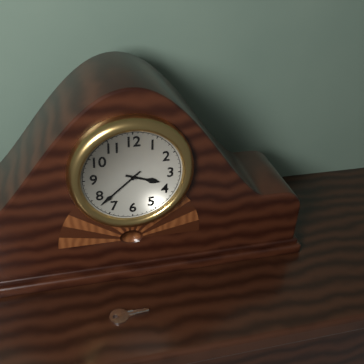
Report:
3,38
